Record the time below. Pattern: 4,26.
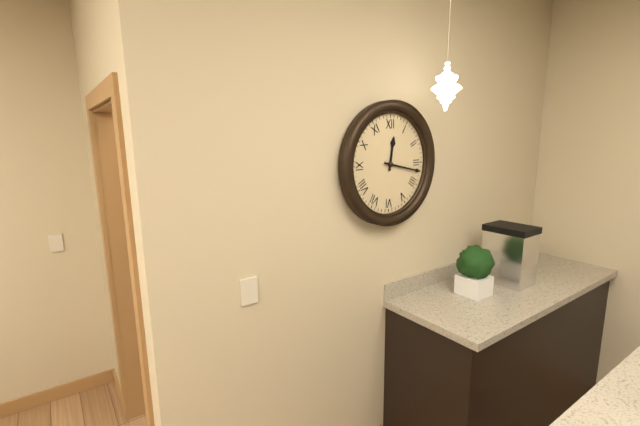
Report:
12,17
